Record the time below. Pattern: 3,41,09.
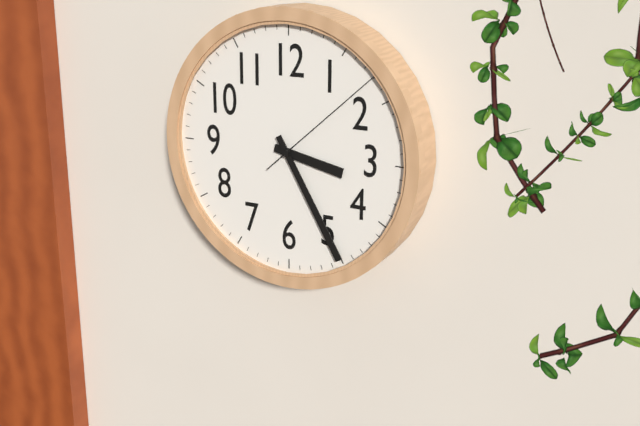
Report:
3,25,08
